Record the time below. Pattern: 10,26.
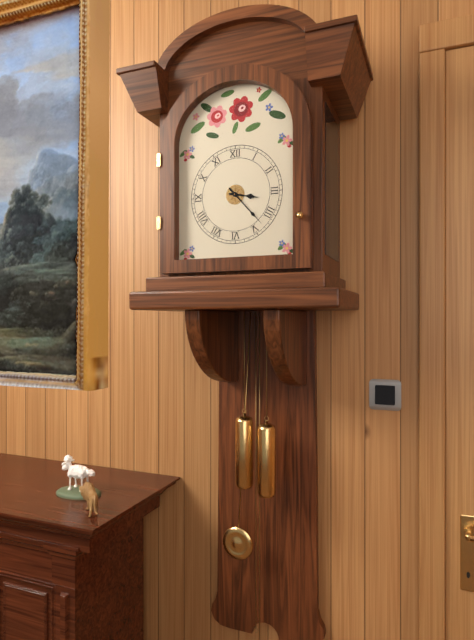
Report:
3,23
